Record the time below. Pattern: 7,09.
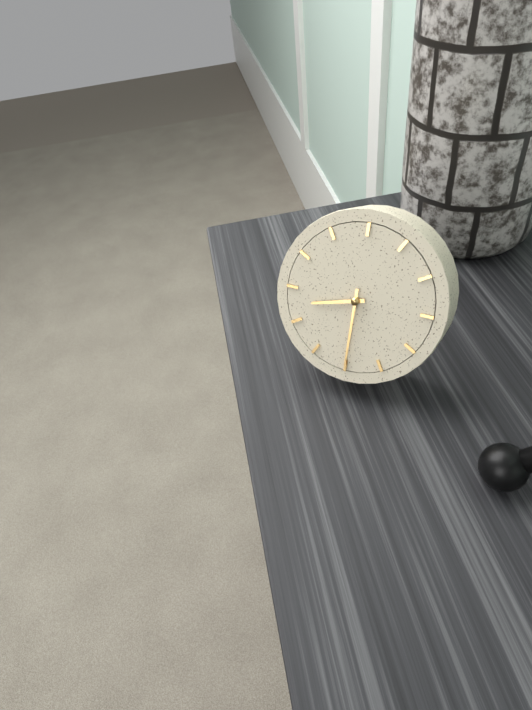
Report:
8,30
